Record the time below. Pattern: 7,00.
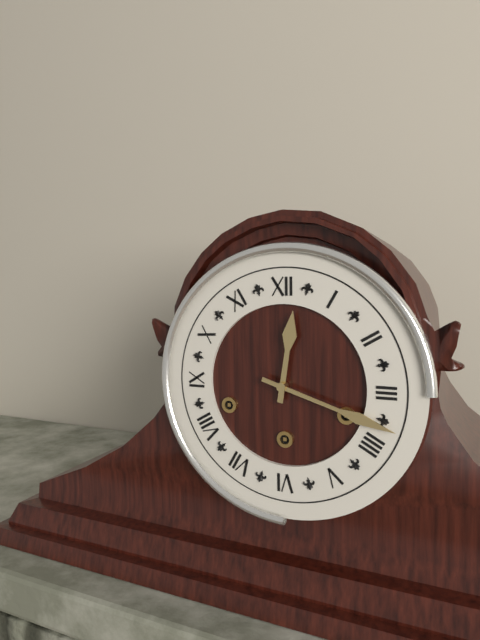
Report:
12,18
